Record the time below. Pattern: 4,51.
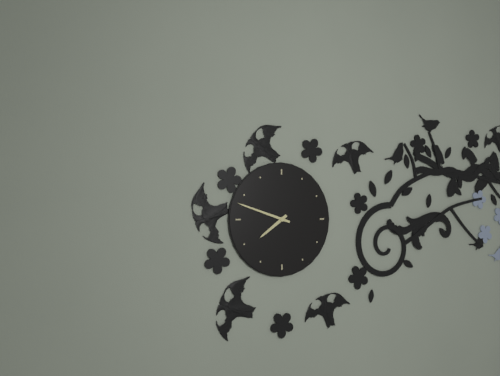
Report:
7,48
